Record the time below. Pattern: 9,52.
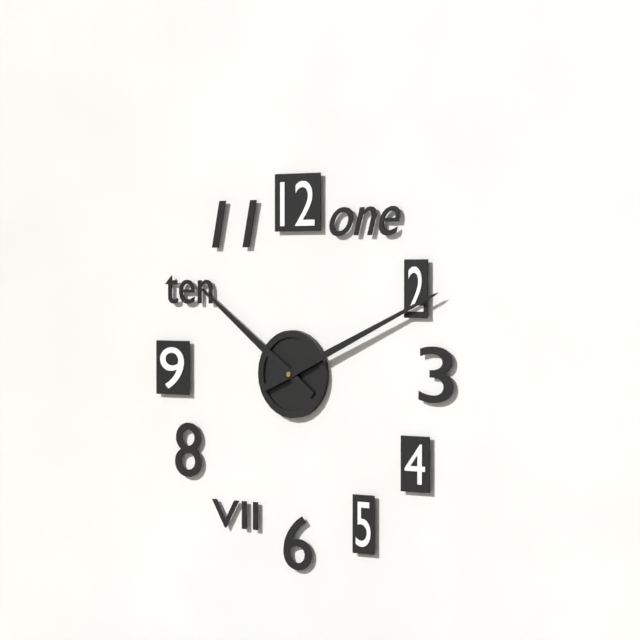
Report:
10,11
